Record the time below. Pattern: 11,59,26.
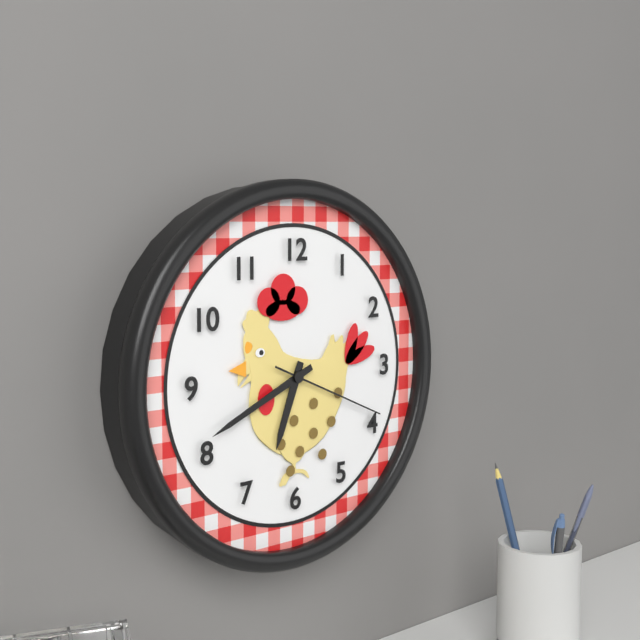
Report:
6,41,19
